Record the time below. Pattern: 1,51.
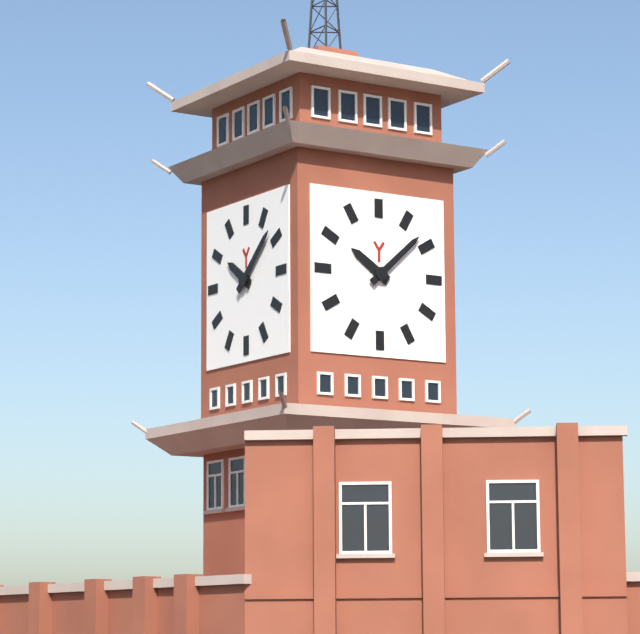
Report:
10,08
